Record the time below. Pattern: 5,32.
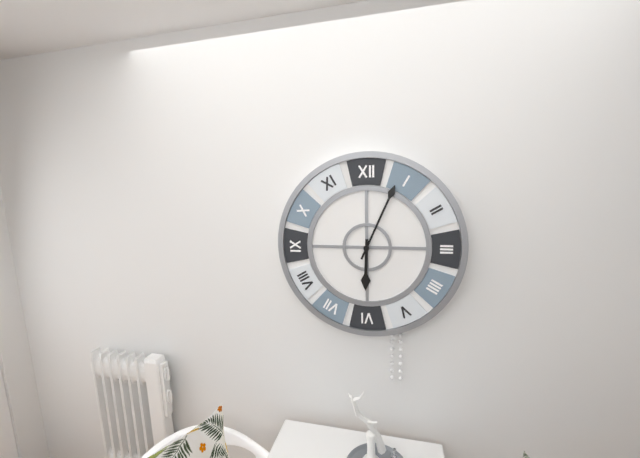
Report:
6,04
